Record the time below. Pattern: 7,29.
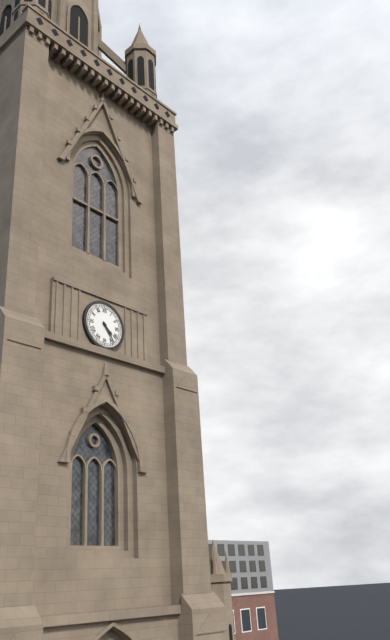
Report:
4,24
